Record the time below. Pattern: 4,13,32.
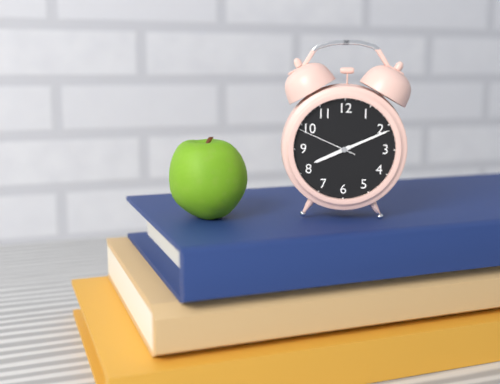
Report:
8,11,49
